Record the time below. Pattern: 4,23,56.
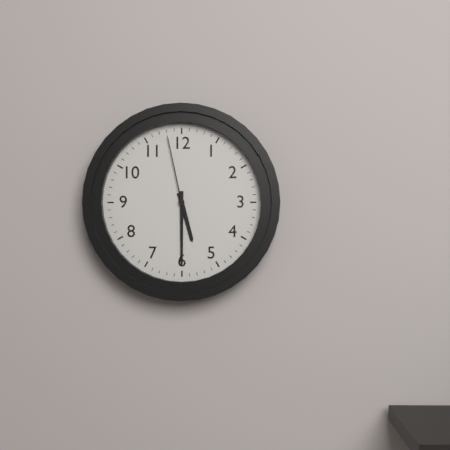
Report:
5,30,58
